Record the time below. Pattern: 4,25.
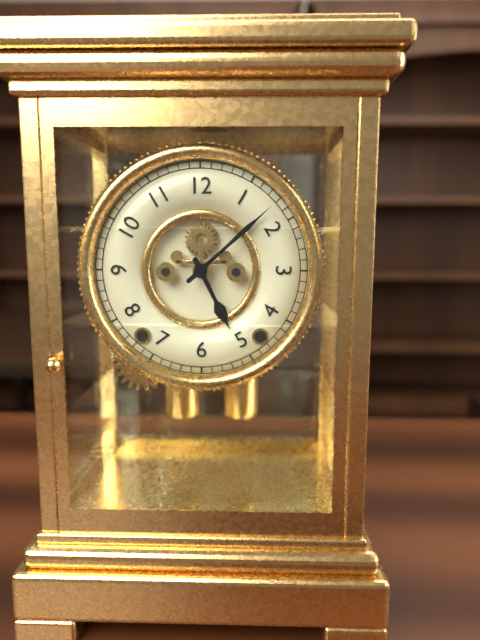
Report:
5,08
